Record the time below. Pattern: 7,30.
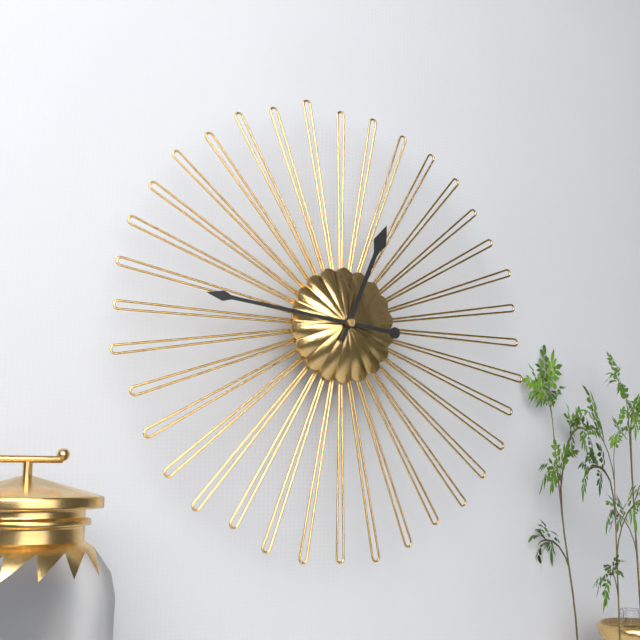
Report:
12,46
